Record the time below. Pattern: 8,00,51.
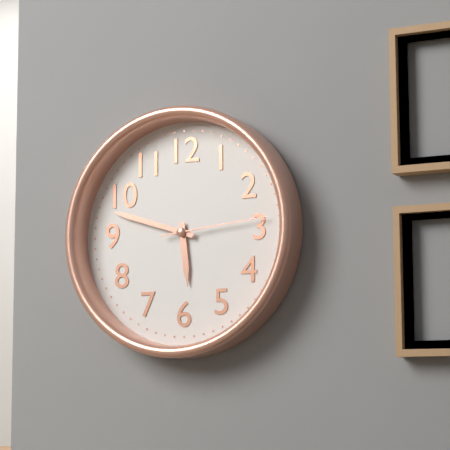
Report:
5,48,14
